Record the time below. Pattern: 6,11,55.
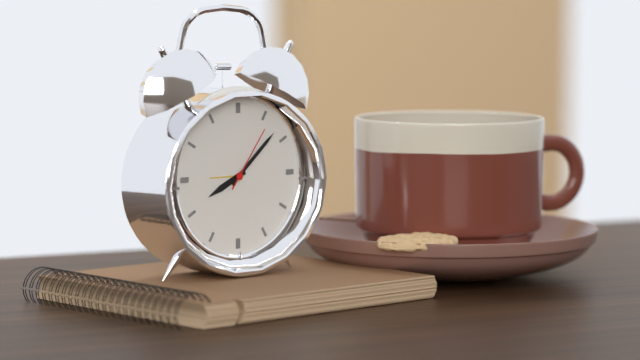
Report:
8,08,06
